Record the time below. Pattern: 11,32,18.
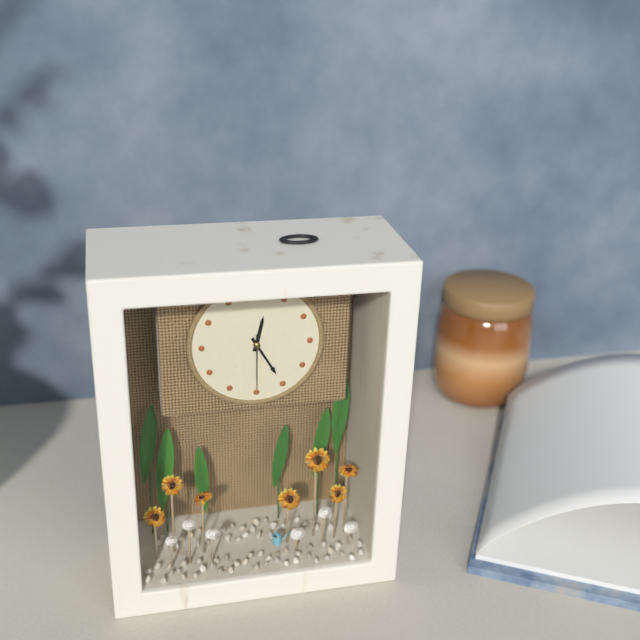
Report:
12,25,30
